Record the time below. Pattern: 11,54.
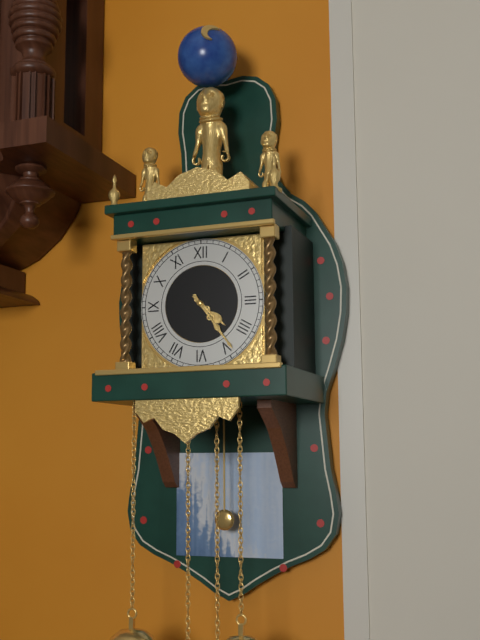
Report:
4,24
